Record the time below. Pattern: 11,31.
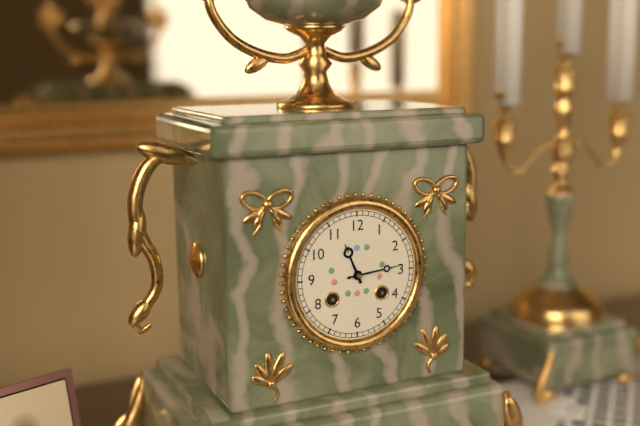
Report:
11,14
